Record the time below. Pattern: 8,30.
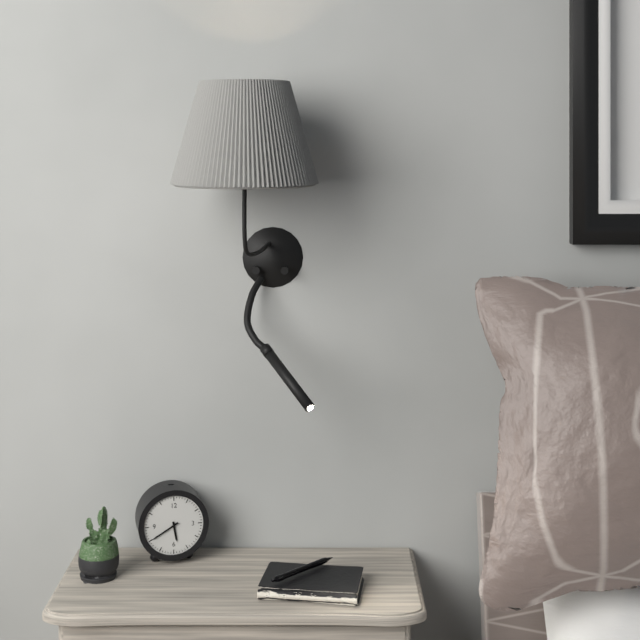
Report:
5,40
